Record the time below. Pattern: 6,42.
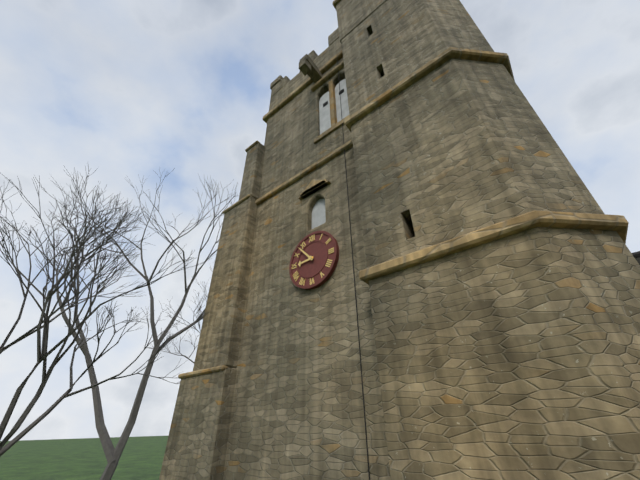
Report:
8,53
